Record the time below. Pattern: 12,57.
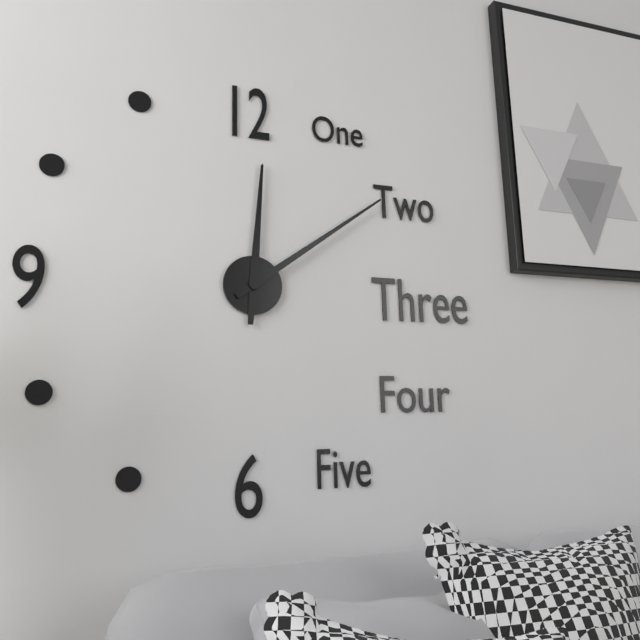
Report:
12,09
